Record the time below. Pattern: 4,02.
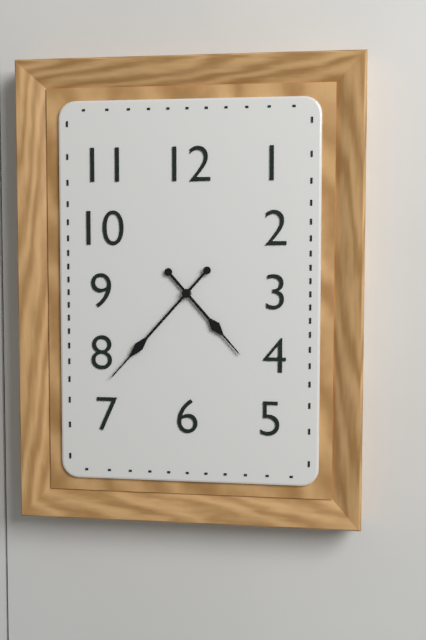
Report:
4,37
